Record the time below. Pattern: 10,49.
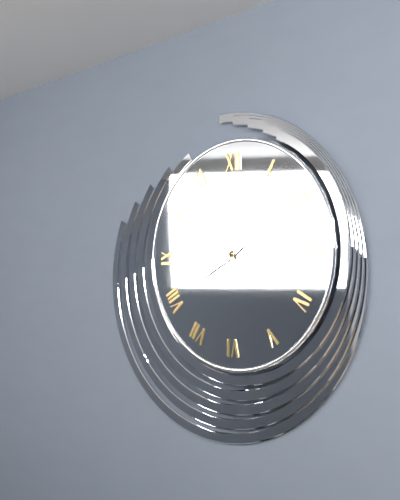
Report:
7,59
